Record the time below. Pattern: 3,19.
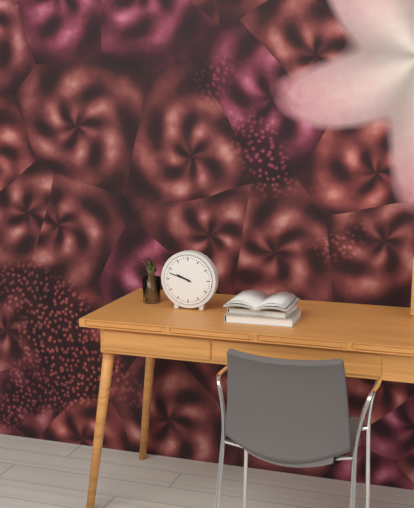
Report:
9,48
